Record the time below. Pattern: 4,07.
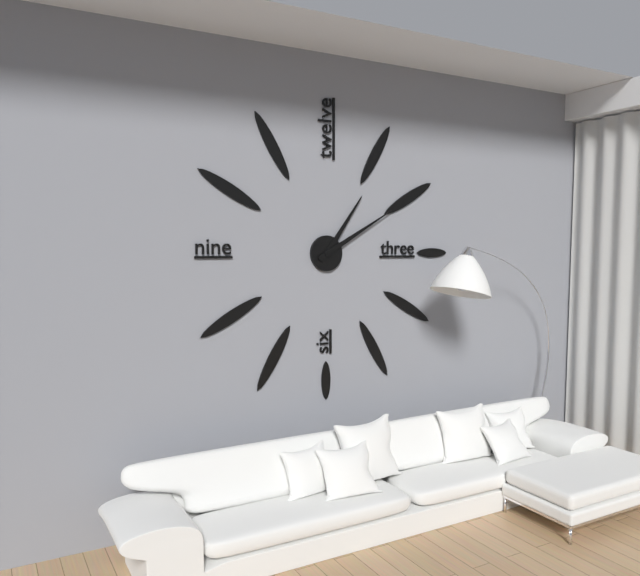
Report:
1,10
